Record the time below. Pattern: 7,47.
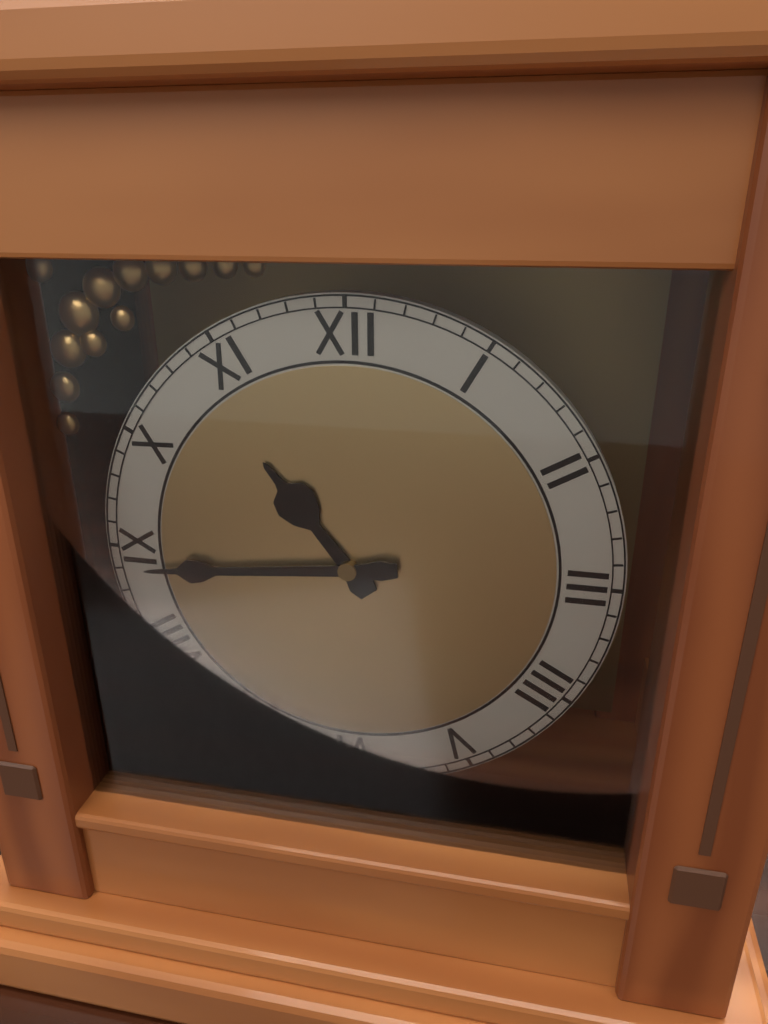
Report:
10,44
